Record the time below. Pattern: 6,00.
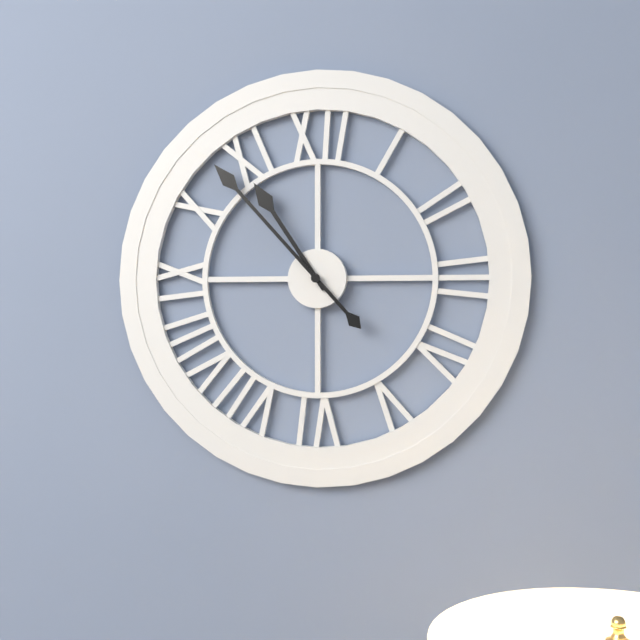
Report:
10,53
